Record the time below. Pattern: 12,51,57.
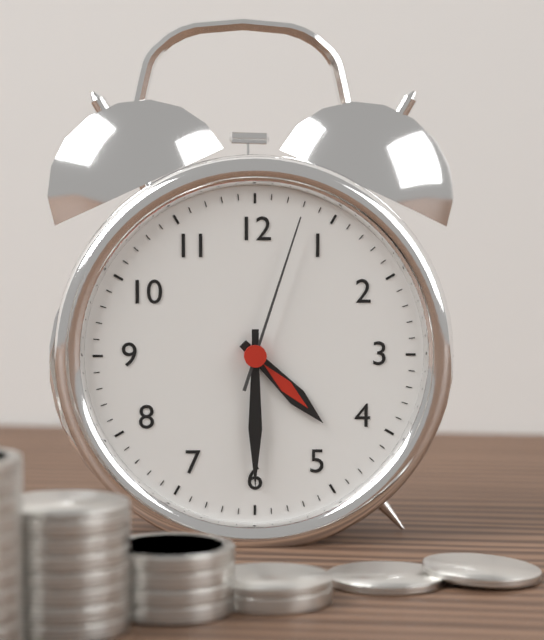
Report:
4,30,03
